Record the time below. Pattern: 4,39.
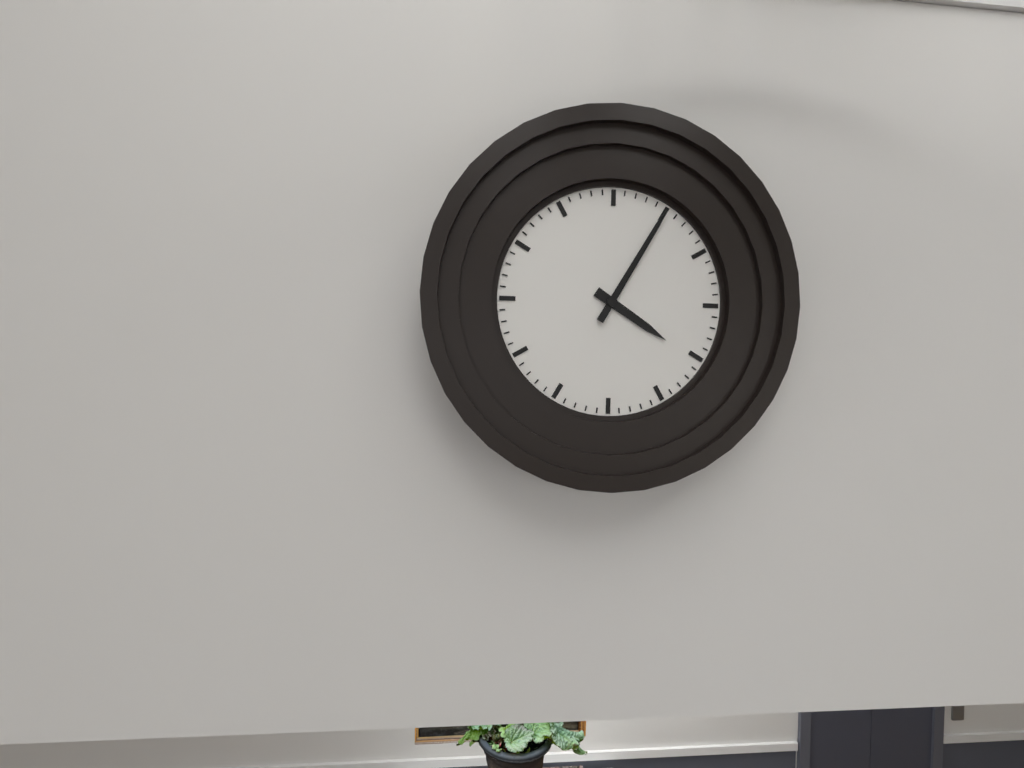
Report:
4,05
